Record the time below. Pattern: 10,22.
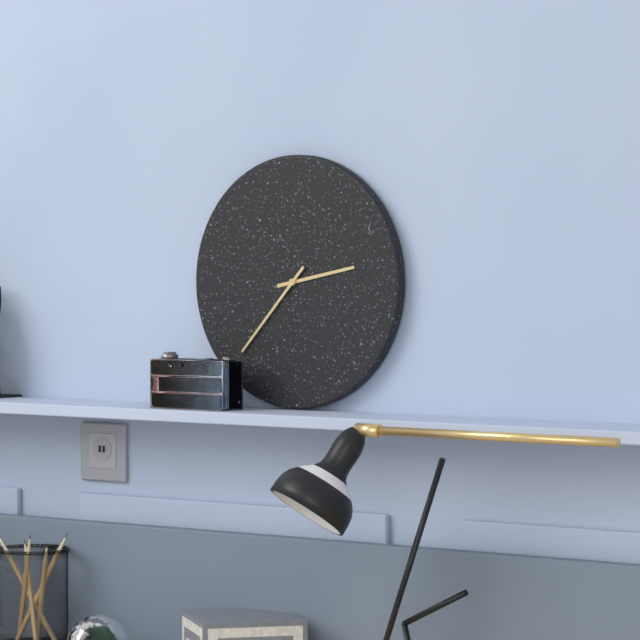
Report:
2,37
